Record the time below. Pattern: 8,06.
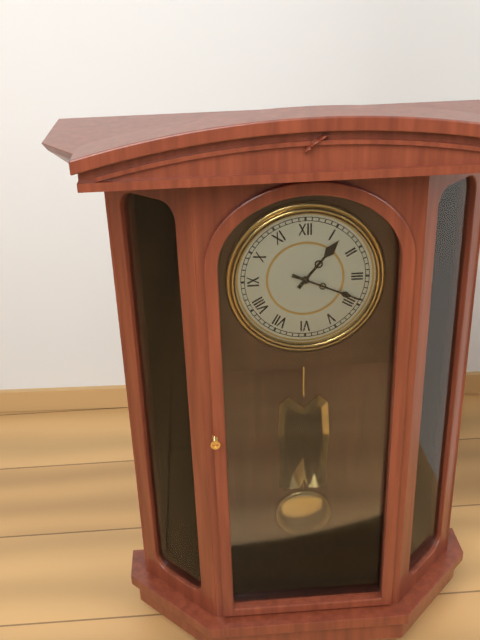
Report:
1,19
